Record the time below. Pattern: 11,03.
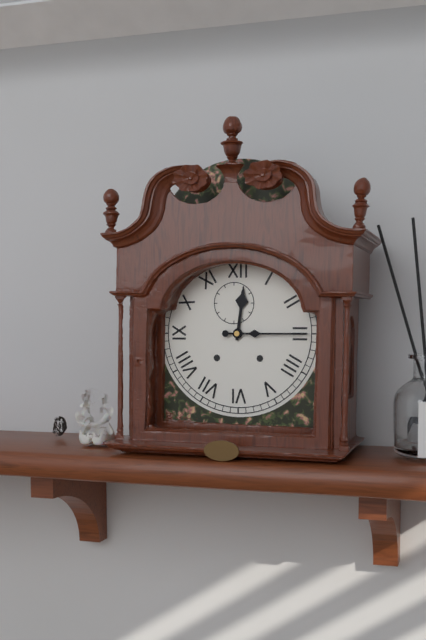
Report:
12,15
